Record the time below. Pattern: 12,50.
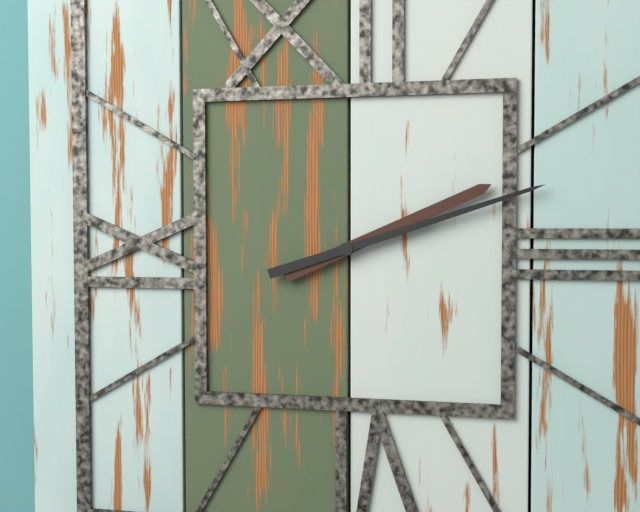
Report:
2,12
